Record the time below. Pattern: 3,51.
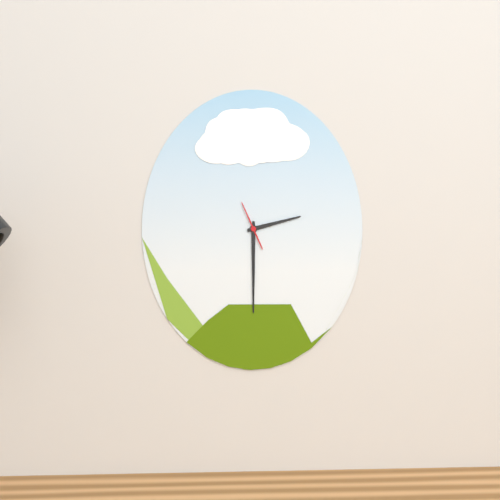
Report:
2,30
